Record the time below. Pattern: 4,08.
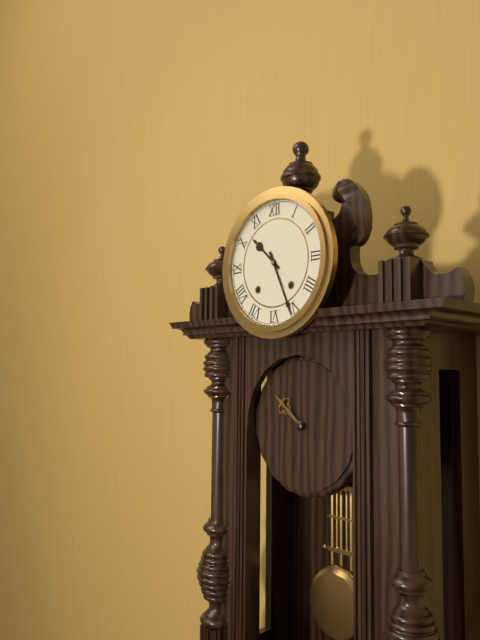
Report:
10,26
